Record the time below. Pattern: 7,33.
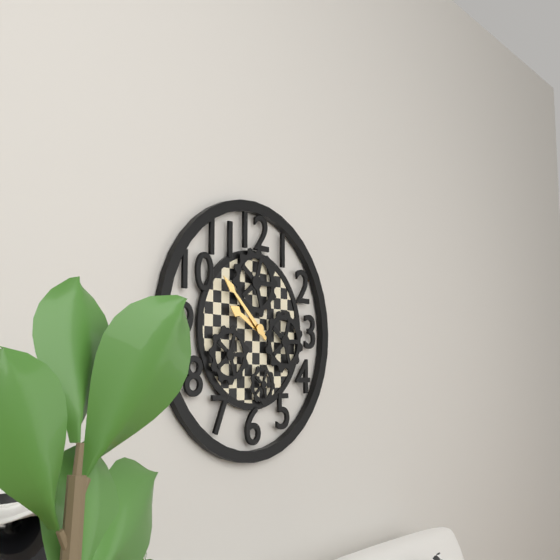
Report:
9,52
